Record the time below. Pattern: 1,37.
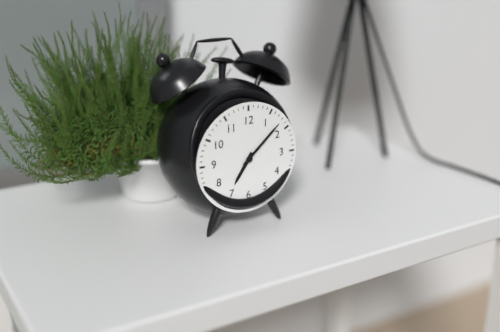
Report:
7,08
